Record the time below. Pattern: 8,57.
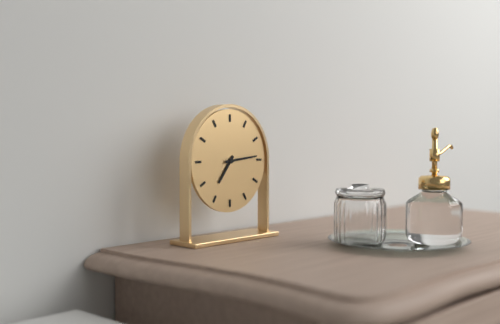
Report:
7,14
